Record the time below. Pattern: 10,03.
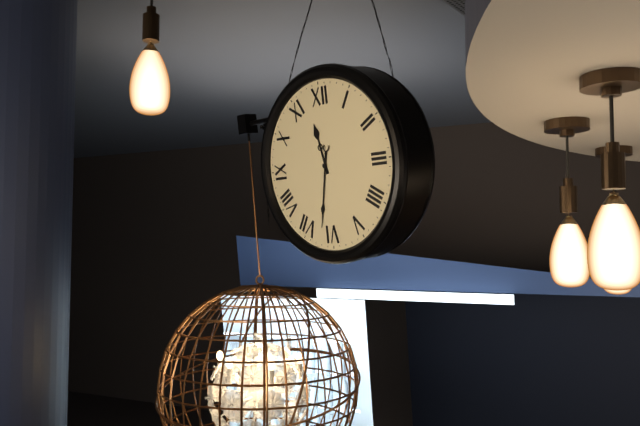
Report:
11,32
